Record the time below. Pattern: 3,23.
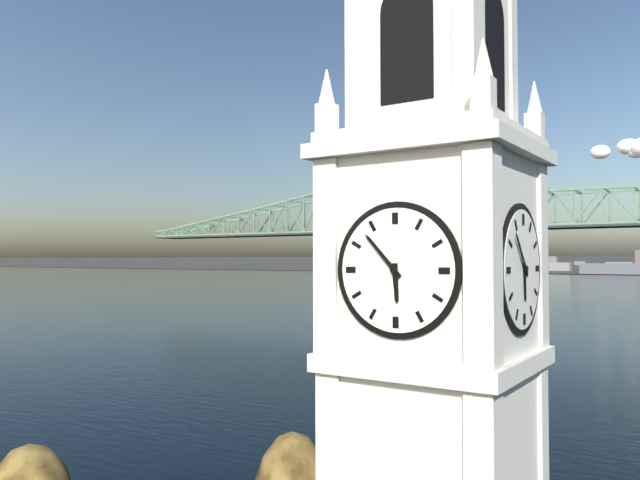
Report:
5,53
